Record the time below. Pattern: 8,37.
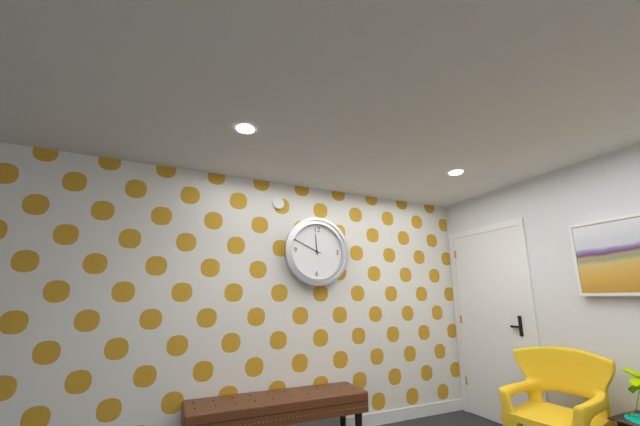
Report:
11,49
